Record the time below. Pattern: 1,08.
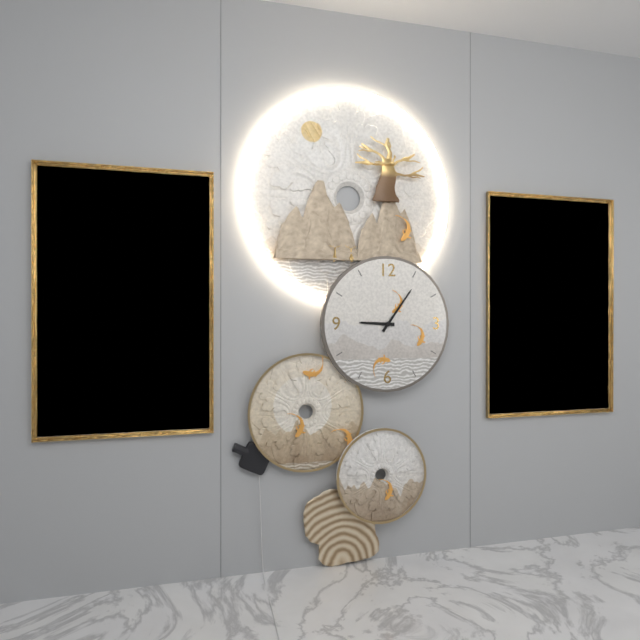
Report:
9,06
